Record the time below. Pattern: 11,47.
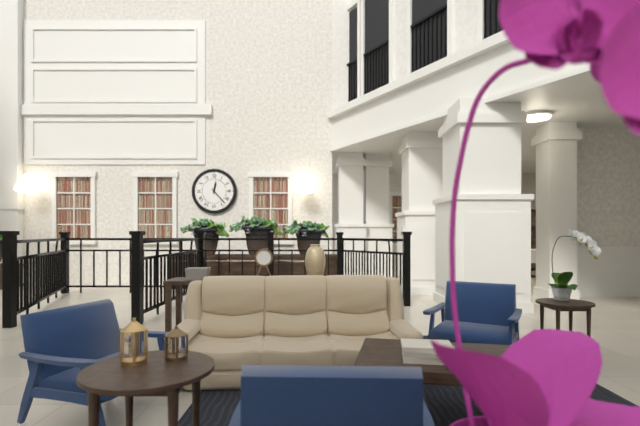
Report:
12,23
